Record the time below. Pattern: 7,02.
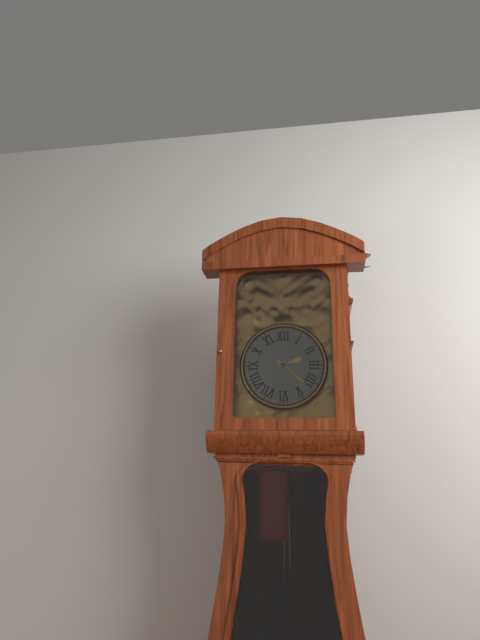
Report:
2,22
